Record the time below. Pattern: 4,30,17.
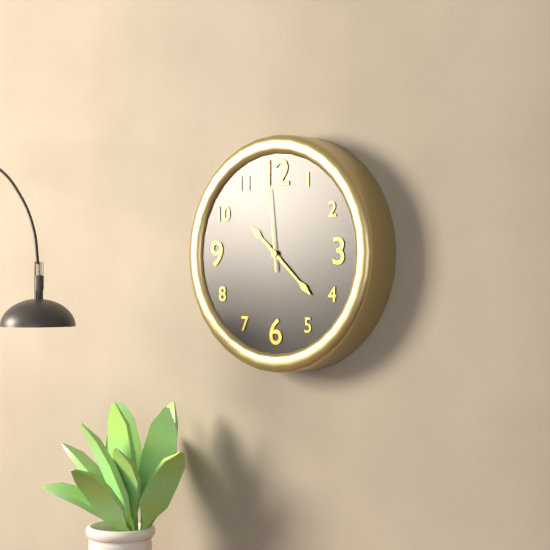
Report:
10,22,59
